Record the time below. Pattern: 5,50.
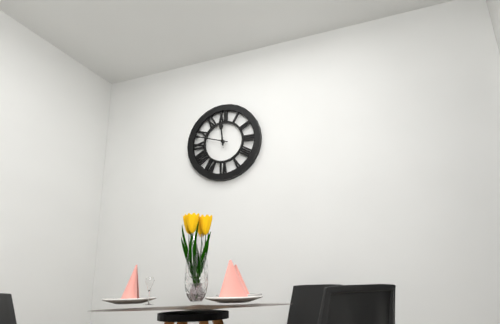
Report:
11,48
